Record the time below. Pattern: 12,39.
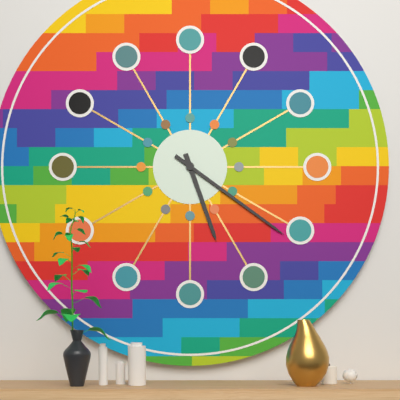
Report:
5,21
